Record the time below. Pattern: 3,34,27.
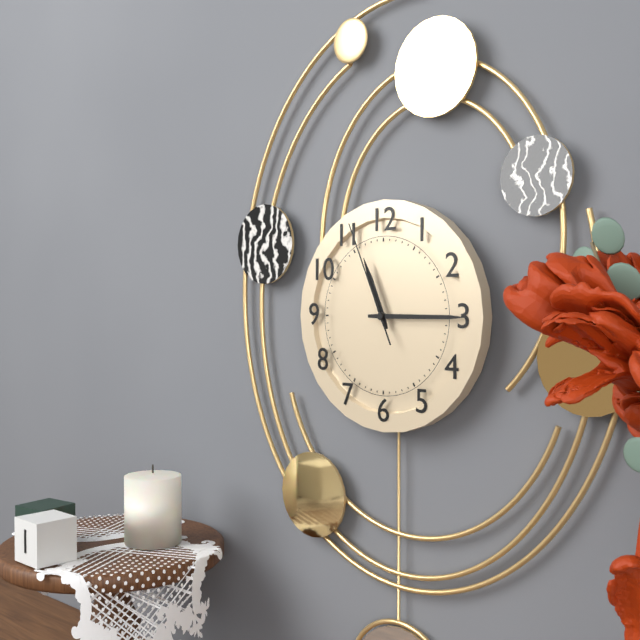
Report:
11,15,56
